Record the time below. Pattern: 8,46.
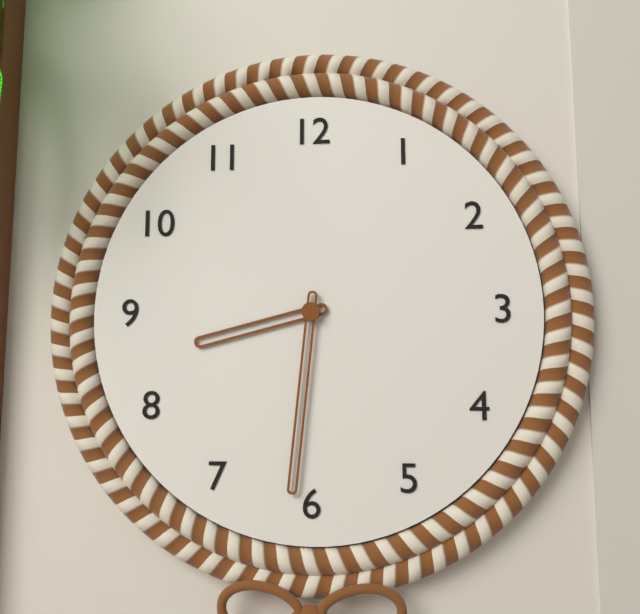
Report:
8,31
